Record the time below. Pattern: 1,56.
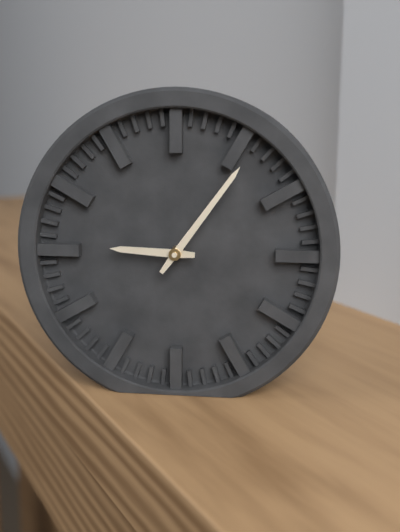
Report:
9,06
